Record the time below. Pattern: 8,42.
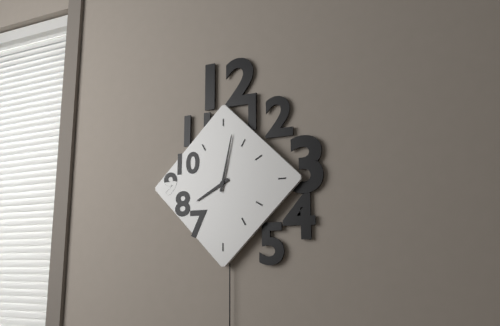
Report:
8,02
